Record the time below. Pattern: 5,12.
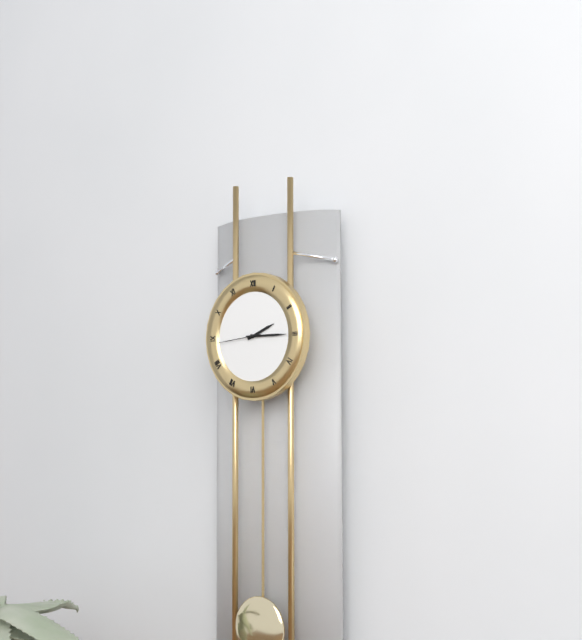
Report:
2,15
